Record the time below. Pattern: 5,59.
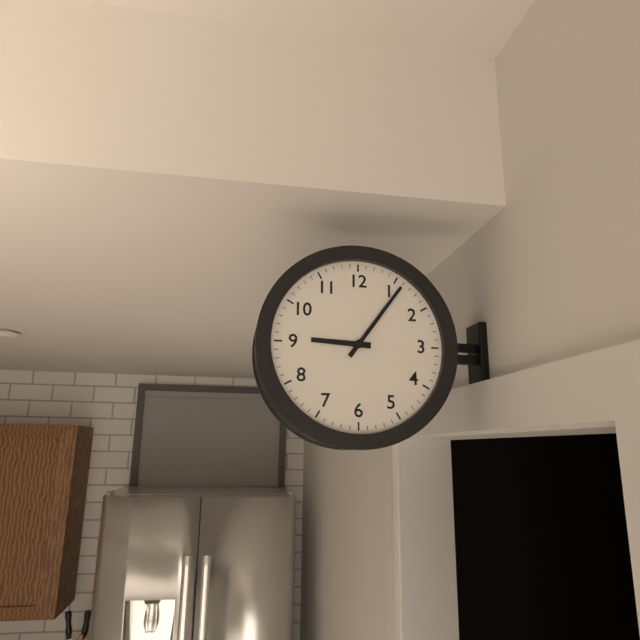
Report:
9,06
